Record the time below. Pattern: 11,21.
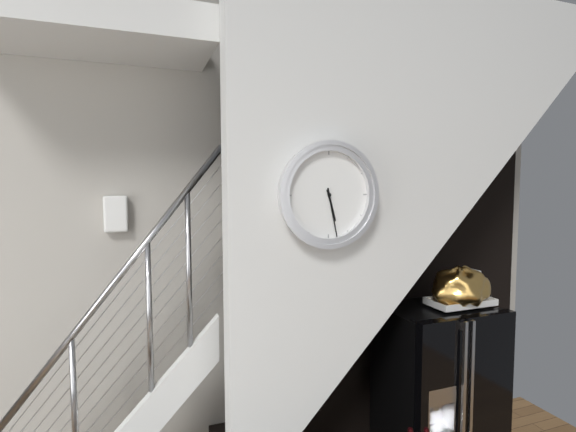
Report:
5,28
